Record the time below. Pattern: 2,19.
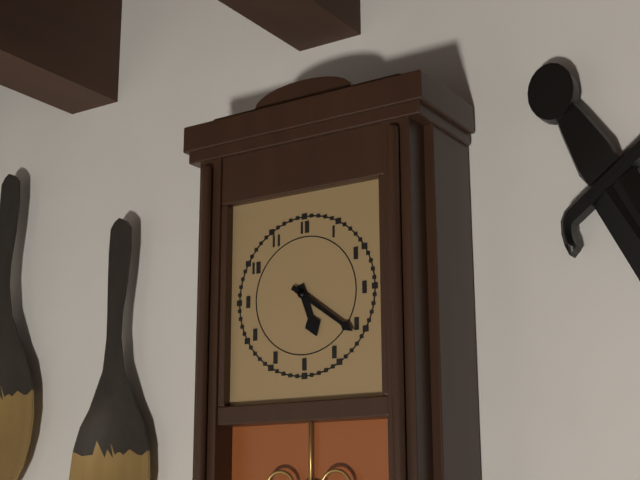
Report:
5,21
